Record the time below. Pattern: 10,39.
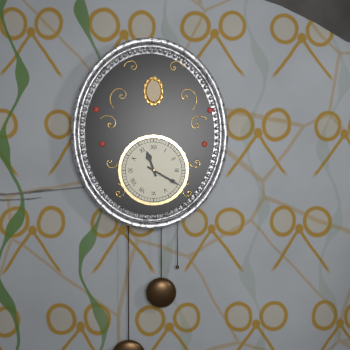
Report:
11,20
